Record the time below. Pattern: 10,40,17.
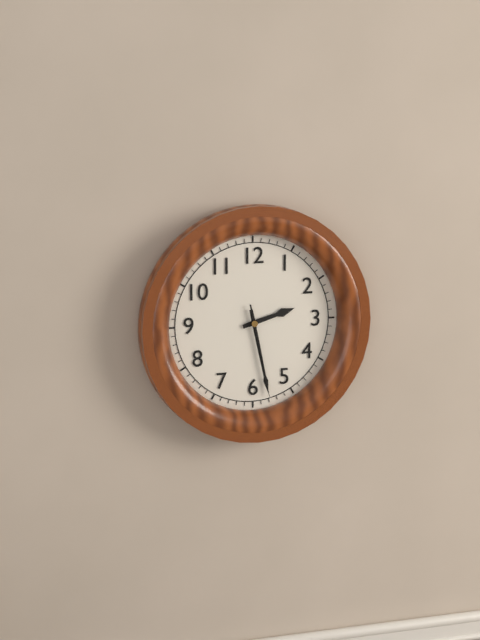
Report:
2,28,28
